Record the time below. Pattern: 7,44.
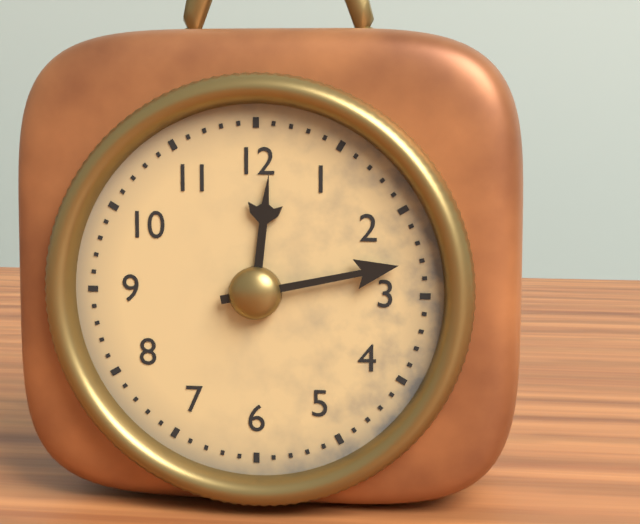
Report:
12,13
